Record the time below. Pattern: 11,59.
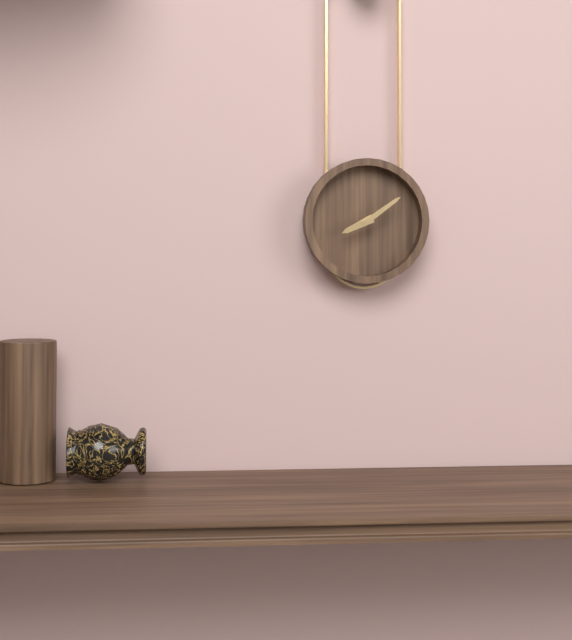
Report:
8,09
